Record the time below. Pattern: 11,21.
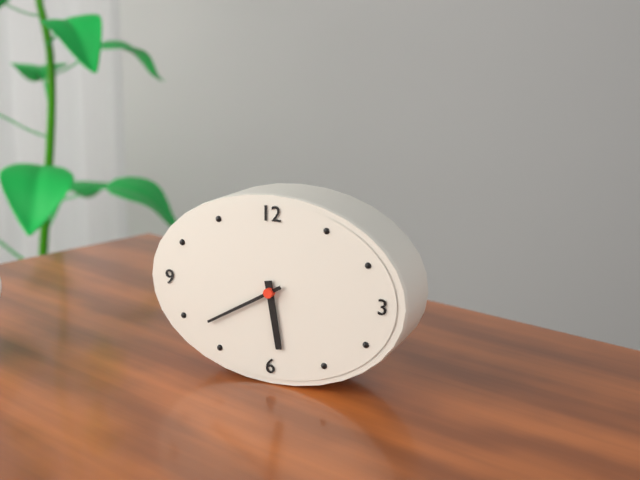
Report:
5,40
